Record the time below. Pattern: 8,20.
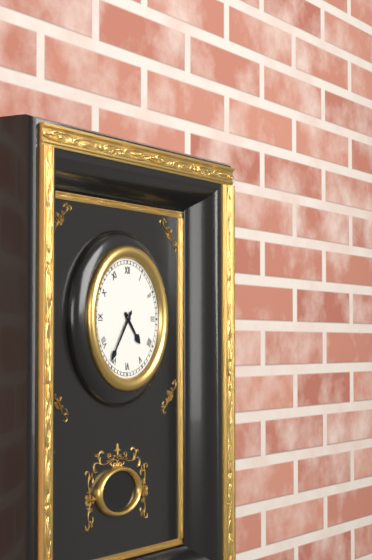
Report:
4,36
